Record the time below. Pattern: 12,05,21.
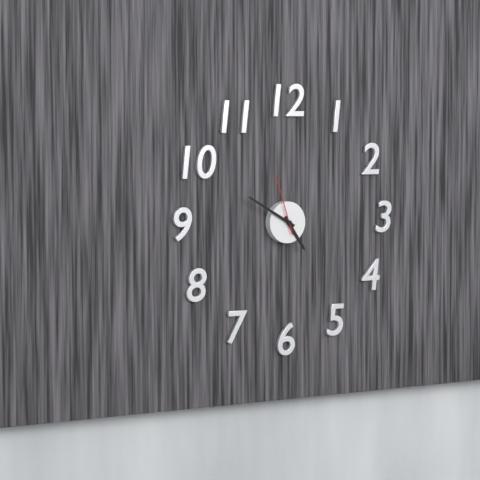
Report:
4,50,57
